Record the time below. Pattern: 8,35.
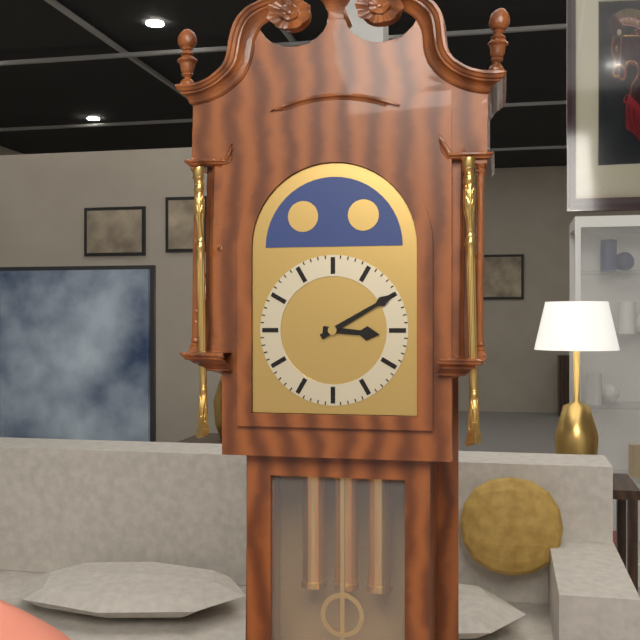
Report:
3,10
